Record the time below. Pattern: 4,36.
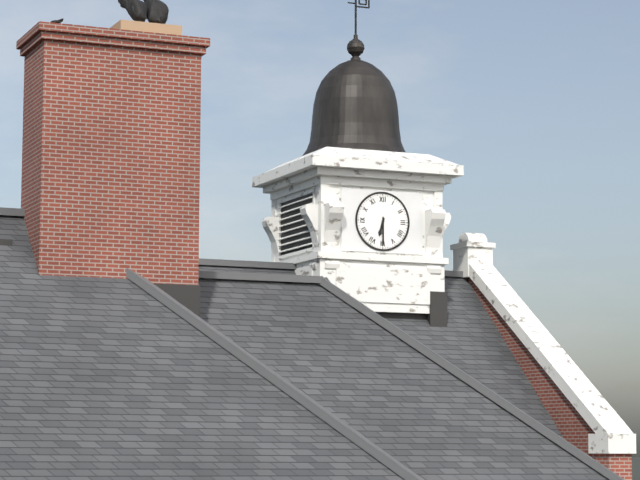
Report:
6,30
